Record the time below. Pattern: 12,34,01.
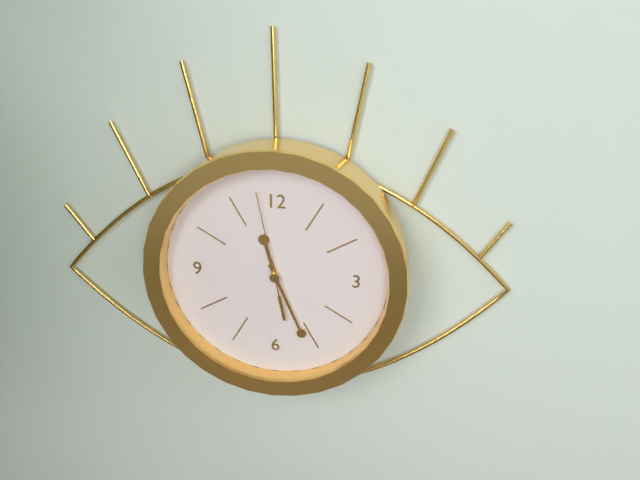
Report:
11,26,58
